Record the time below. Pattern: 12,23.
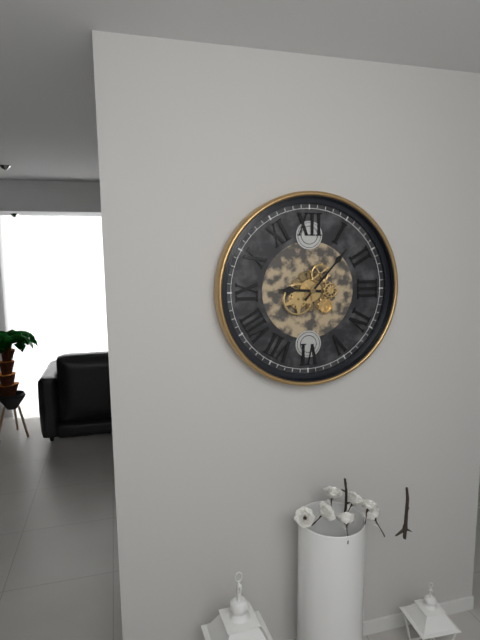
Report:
9,07
